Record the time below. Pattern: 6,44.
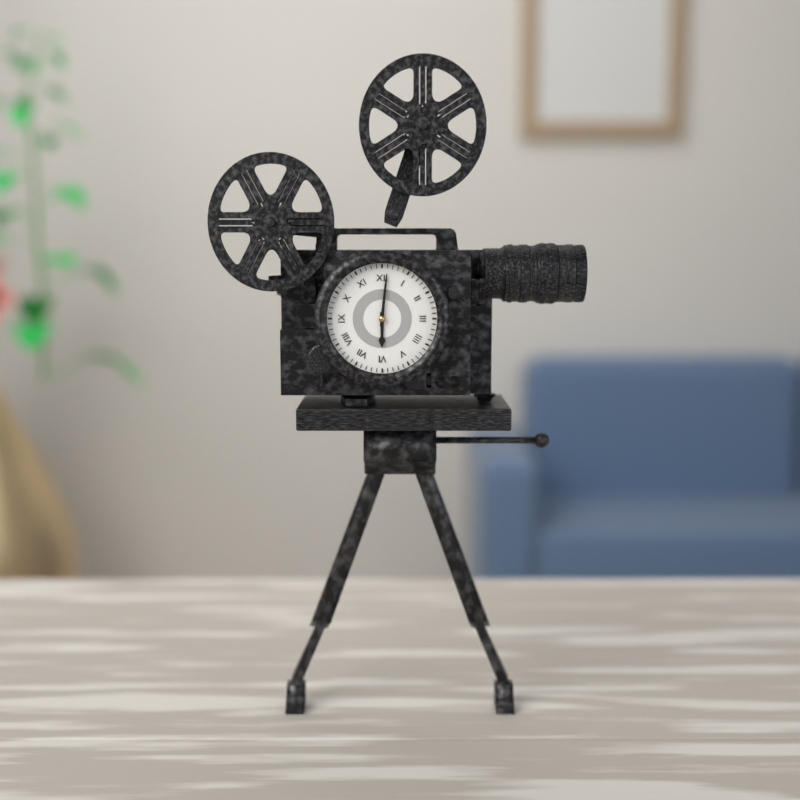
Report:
6,01
